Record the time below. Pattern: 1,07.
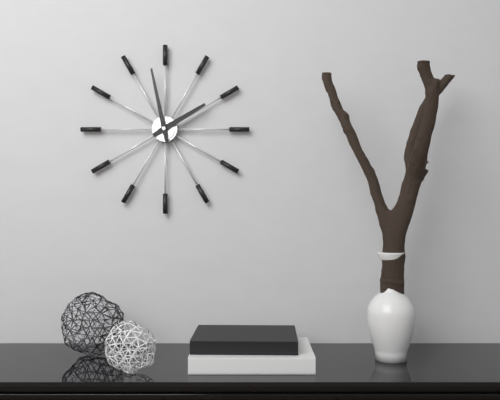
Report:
1,58
